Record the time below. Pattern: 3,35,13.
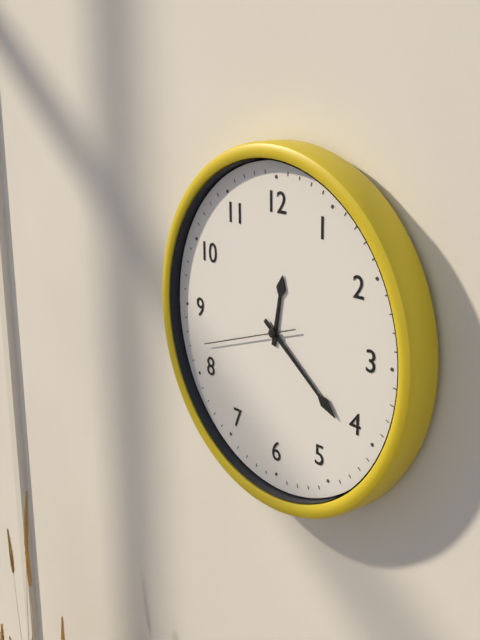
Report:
12,21,42
